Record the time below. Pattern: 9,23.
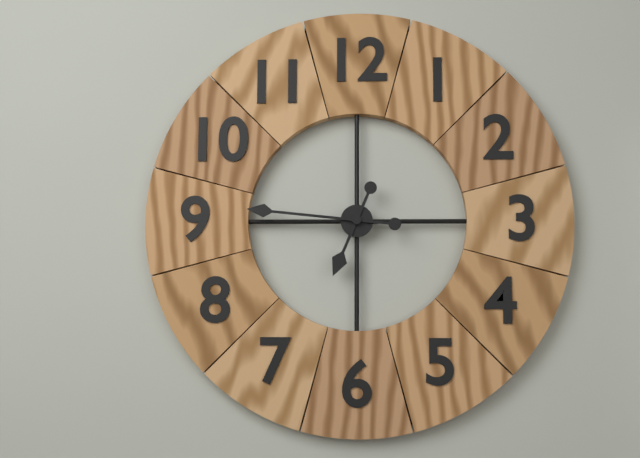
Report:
6,46
